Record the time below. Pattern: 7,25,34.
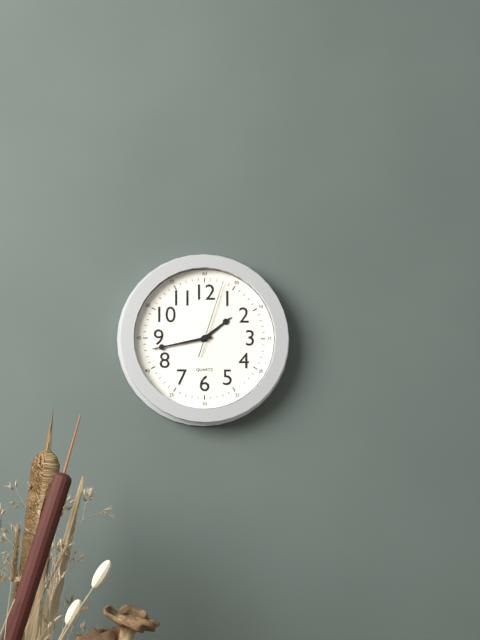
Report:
1,43,03
